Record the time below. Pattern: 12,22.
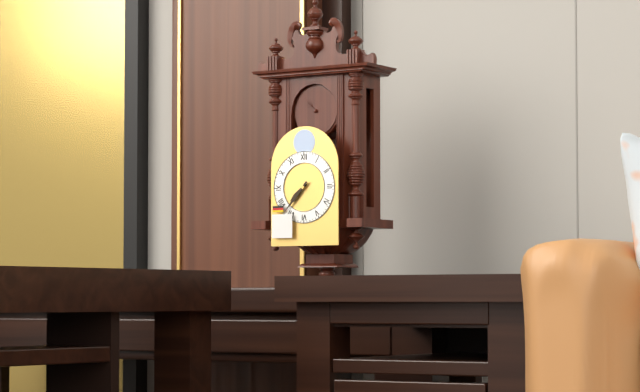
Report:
7,37
